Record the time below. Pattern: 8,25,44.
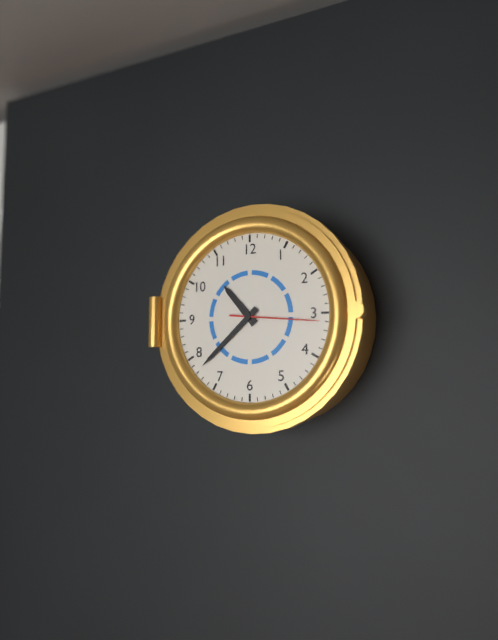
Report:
10,38,16
